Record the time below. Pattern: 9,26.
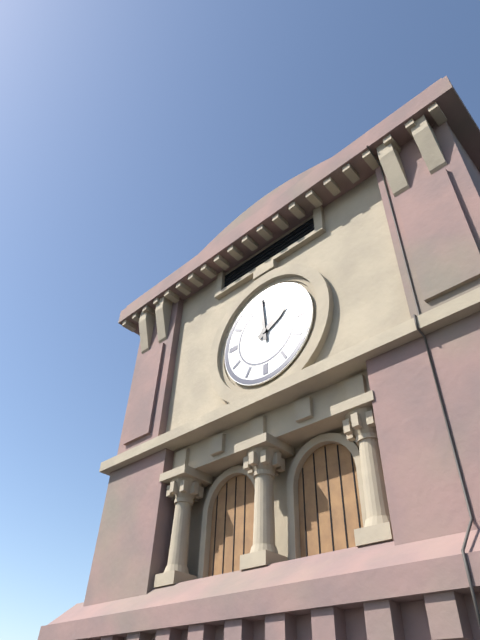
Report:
1,59
